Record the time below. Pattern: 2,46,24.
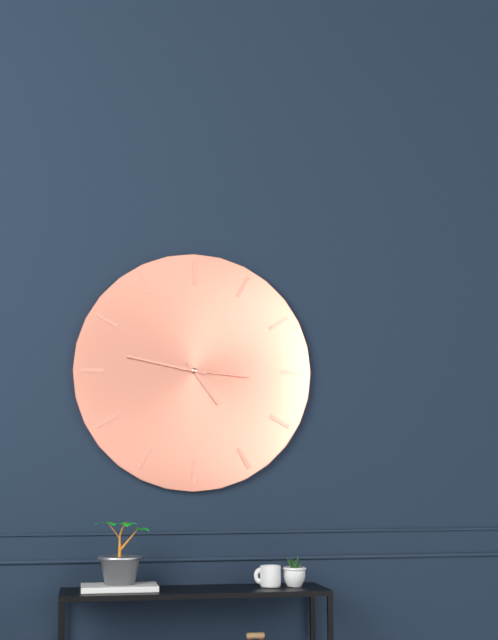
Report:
4,47,16
